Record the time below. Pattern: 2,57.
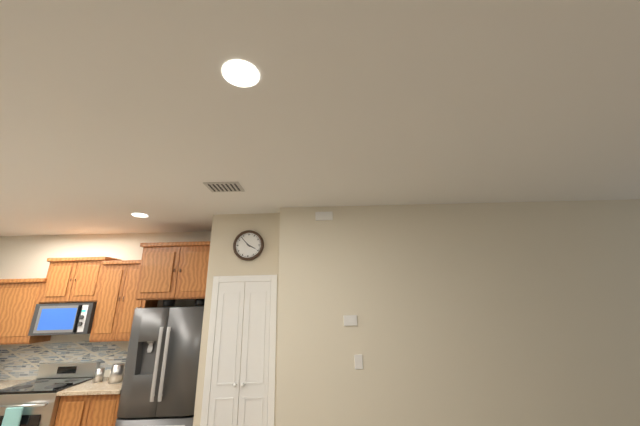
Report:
3,53
